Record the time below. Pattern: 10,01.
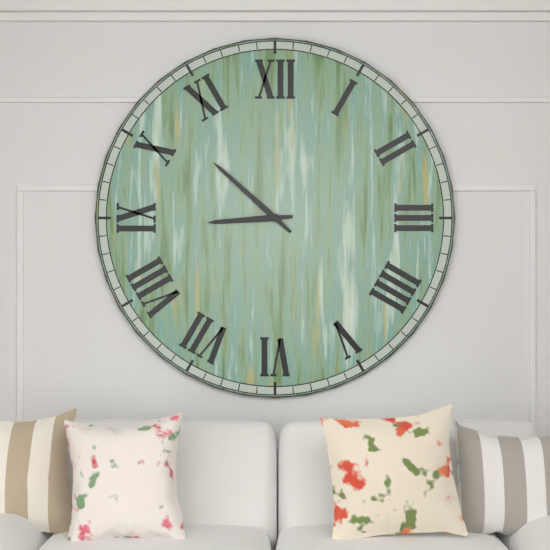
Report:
8,52
